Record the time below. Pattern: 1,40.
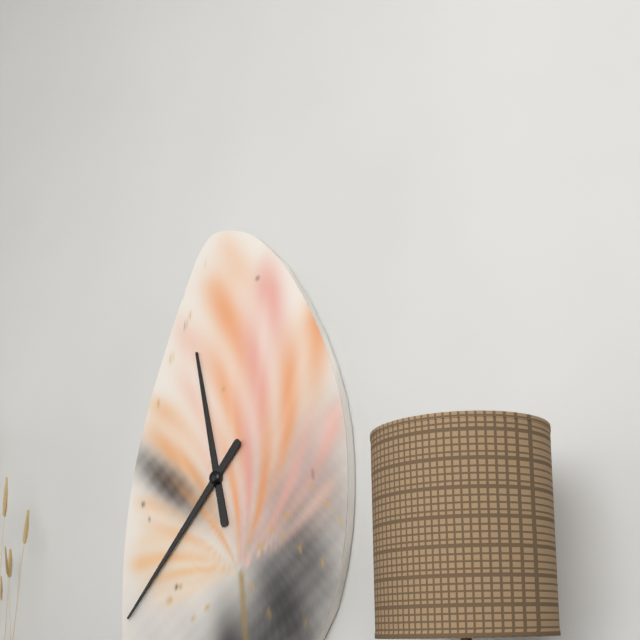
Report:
11,37
